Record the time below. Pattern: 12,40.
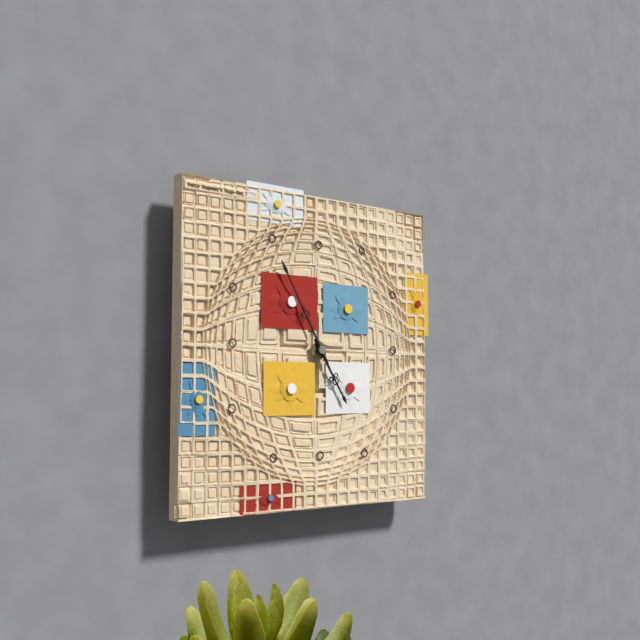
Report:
4,55
